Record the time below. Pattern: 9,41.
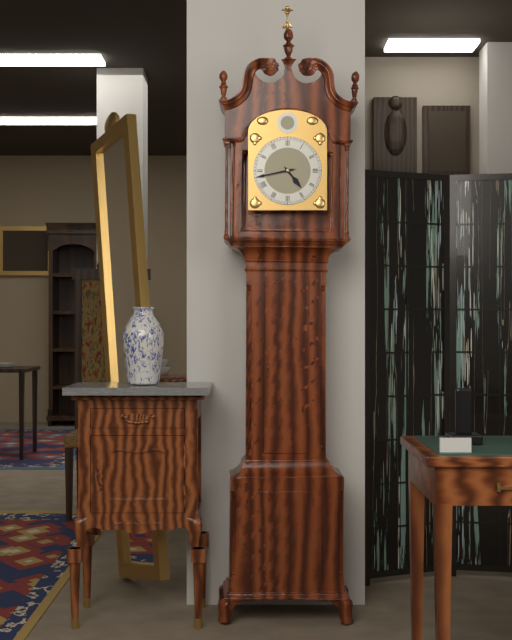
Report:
4,43
